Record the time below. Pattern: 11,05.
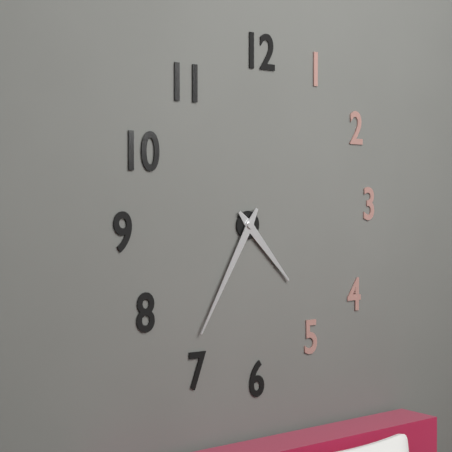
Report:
4,35
